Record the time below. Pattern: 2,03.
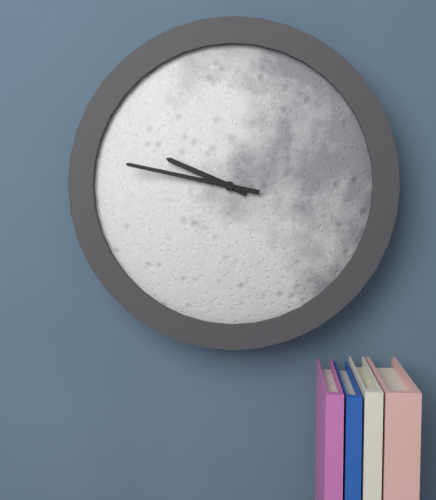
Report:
9,47
